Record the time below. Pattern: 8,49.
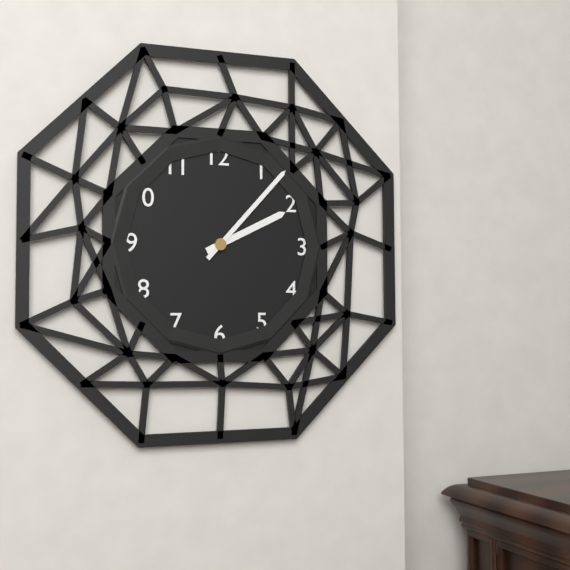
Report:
2,07
